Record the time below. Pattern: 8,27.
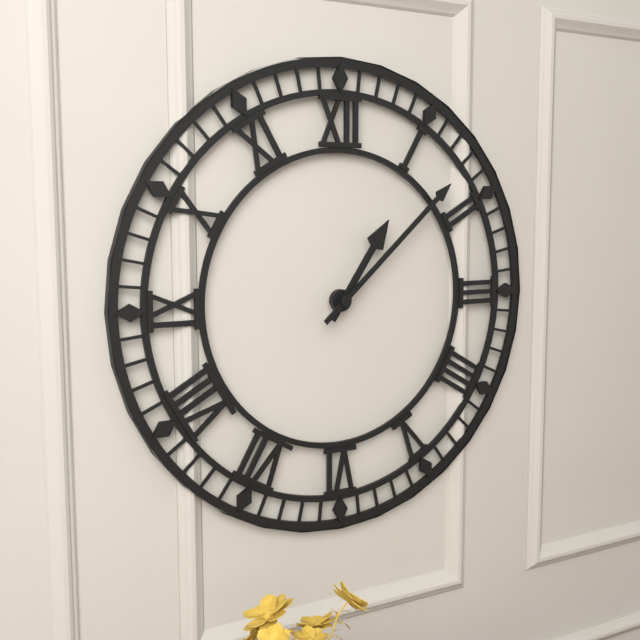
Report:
1,08
